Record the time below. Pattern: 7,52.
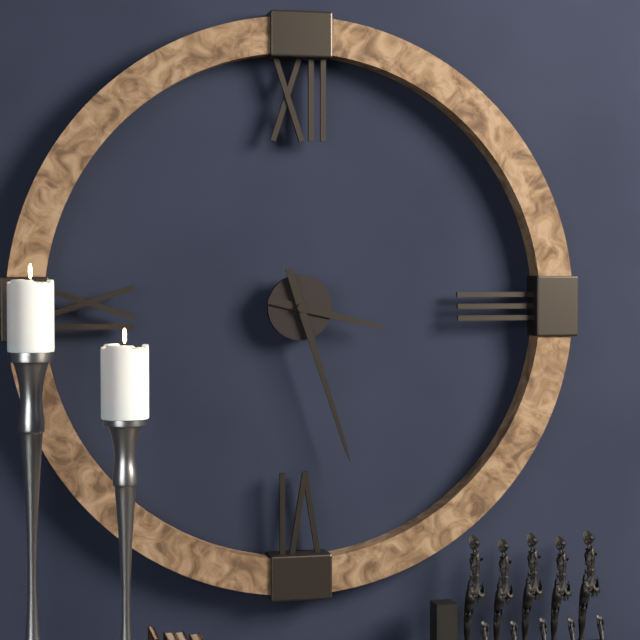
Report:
3,27
